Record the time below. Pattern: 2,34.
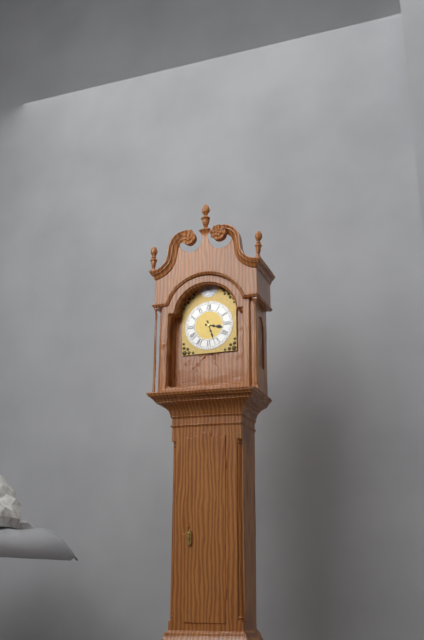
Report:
3,27
